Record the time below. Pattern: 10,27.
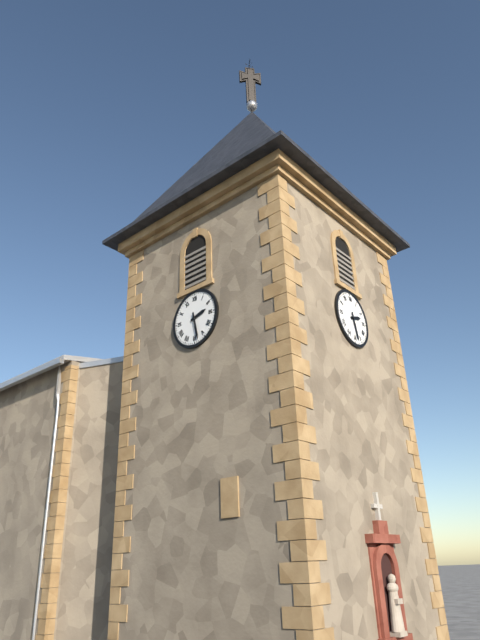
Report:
2,28
